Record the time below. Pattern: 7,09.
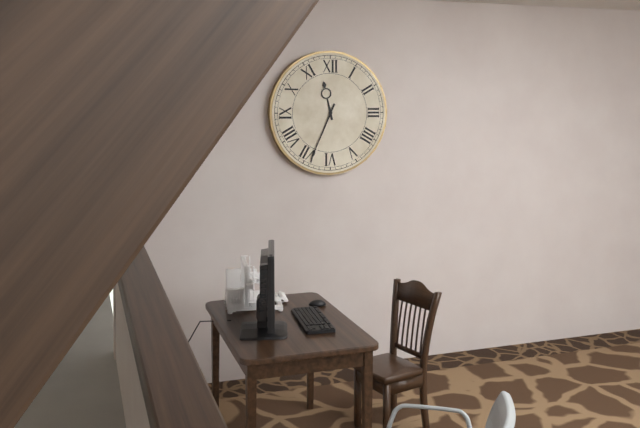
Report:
11,34
